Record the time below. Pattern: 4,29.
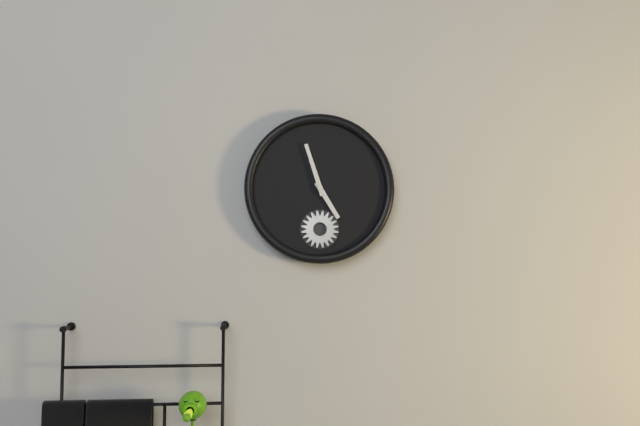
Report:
4,57
